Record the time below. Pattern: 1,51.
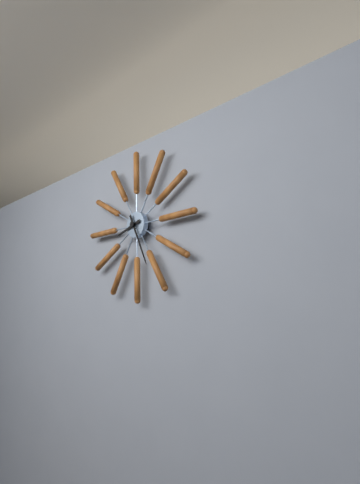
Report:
8,26
